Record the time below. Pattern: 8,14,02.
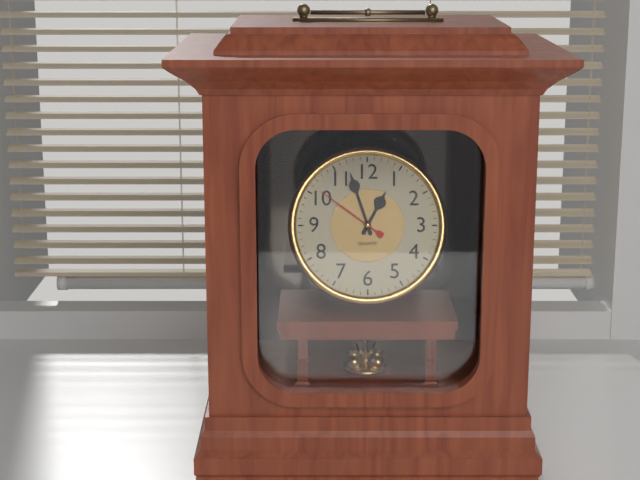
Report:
12,57,51
